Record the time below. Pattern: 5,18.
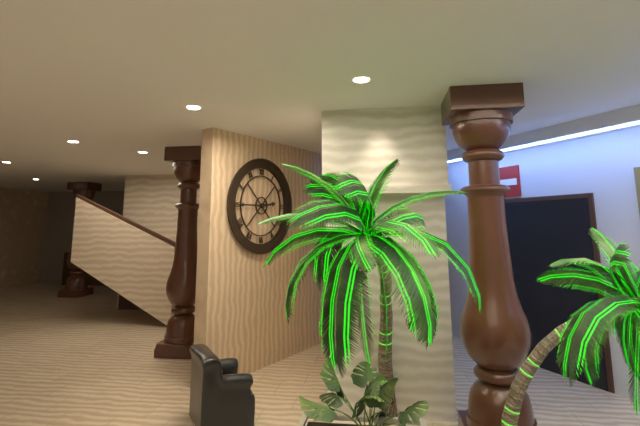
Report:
2,45
